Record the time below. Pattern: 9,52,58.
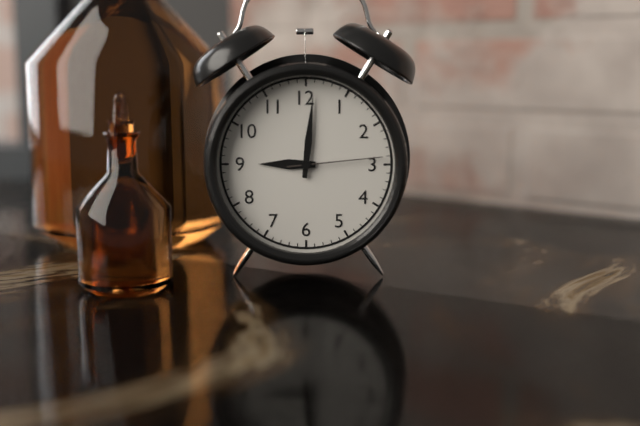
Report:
9,01,14
